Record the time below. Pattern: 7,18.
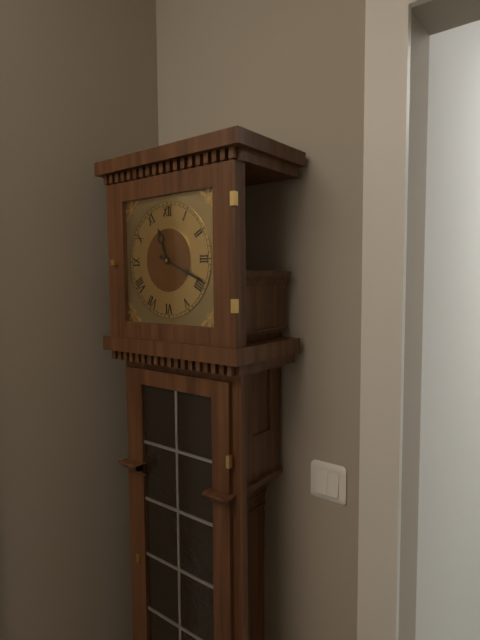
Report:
11,19
